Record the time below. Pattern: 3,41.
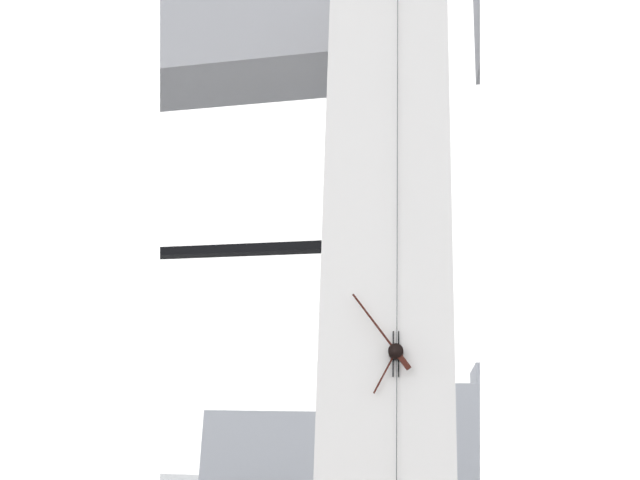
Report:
6,54
